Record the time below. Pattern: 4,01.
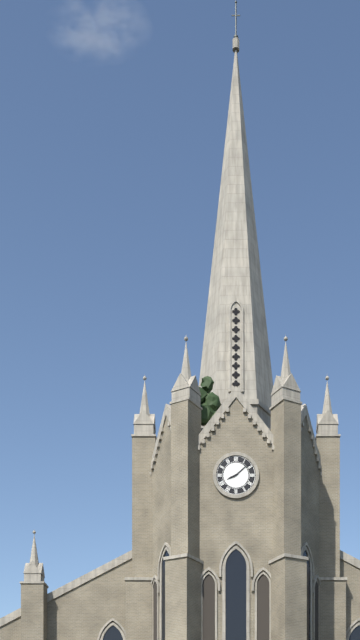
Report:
8,08
